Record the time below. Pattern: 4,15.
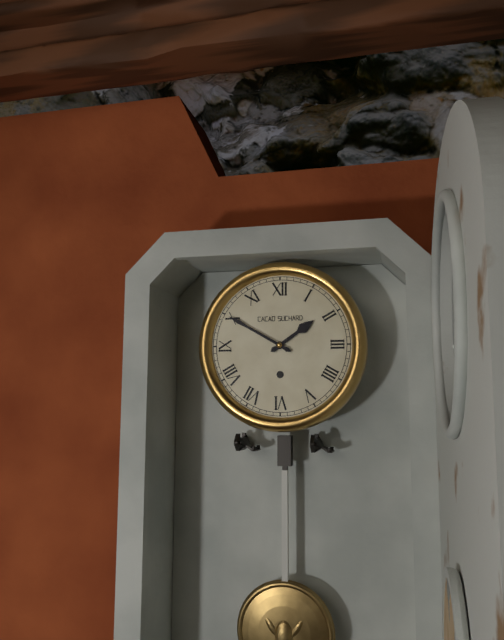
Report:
1,50
